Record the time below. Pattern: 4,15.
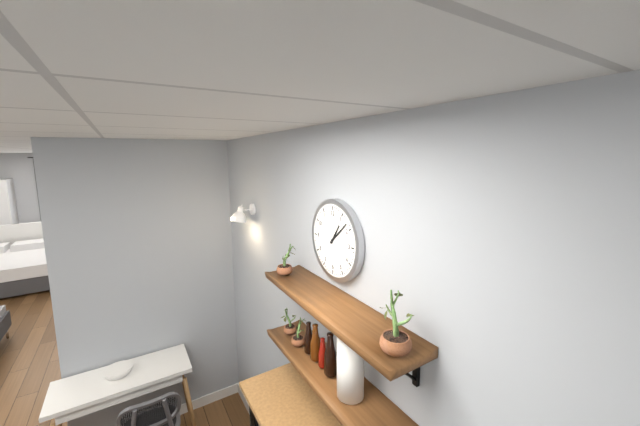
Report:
1,08
